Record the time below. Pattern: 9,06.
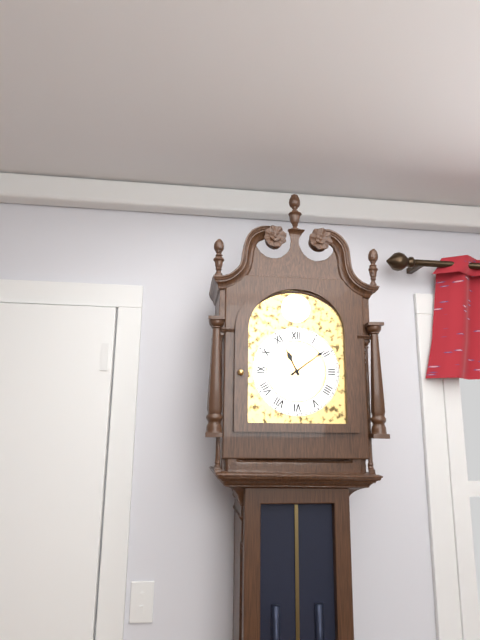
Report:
11,09
